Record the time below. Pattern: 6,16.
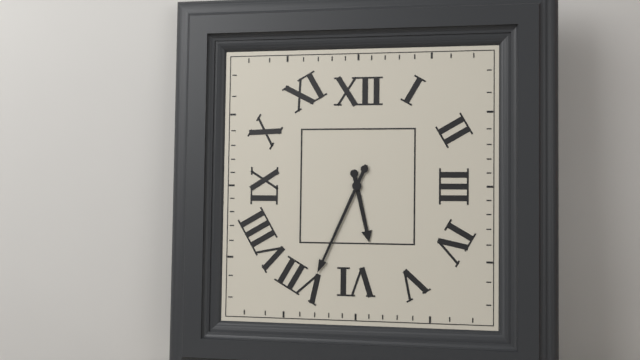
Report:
5,34
